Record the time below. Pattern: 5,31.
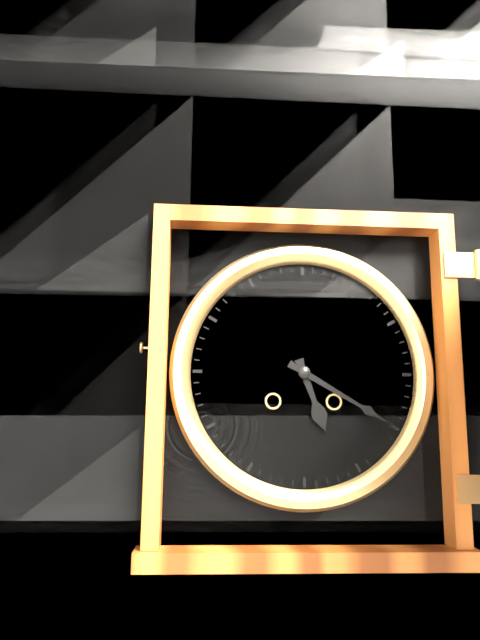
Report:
5,20
